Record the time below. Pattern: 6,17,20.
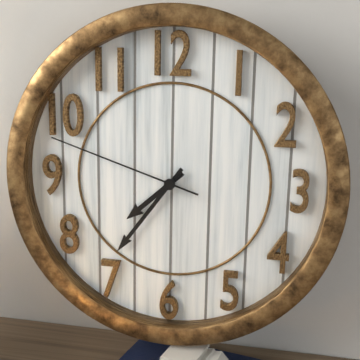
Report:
7,36,48
